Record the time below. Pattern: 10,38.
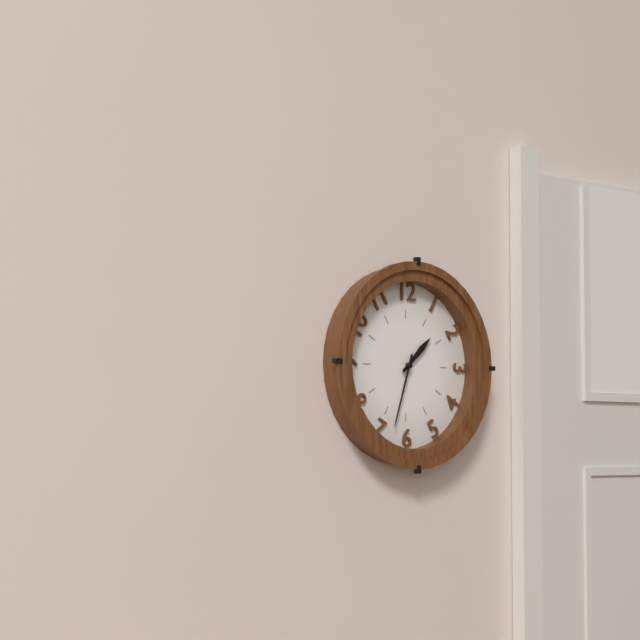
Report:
1,33
